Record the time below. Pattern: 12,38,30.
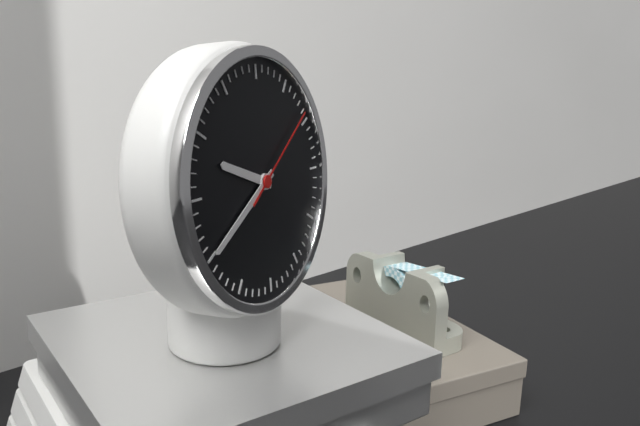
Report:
9,40,09
